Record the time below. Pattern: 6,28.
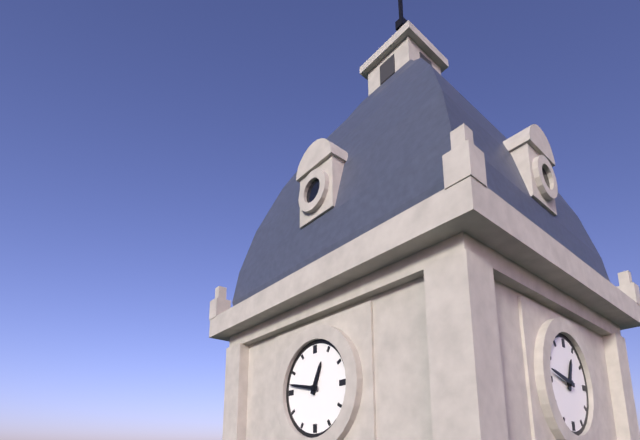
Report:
12,47
